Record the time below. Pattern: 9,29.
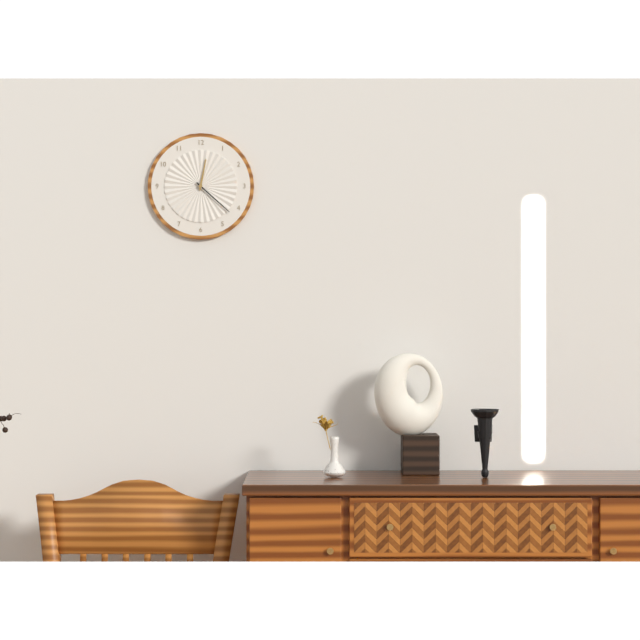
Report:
12,22
